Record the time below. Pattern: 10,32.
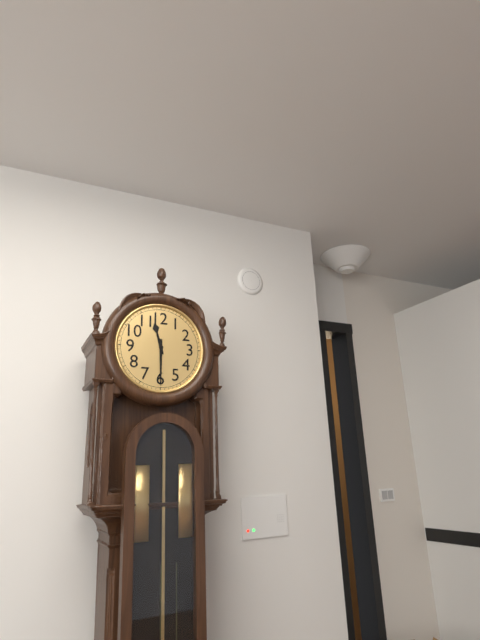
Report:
11,30
